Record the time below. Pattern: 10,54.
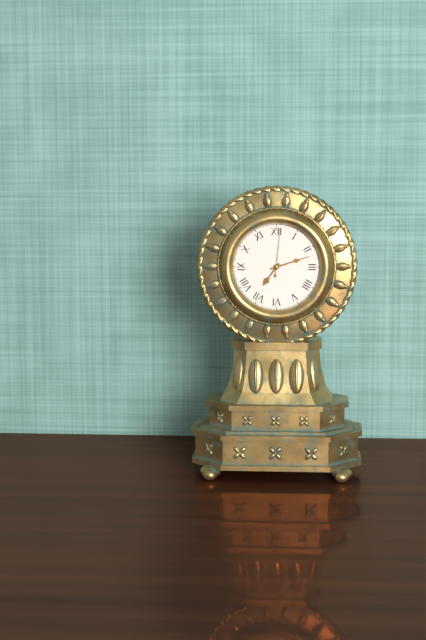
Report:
7,12
